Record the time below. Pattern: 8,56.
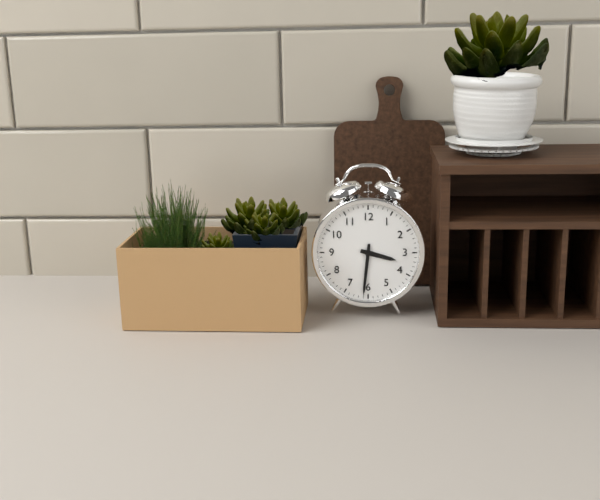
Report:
3,31
